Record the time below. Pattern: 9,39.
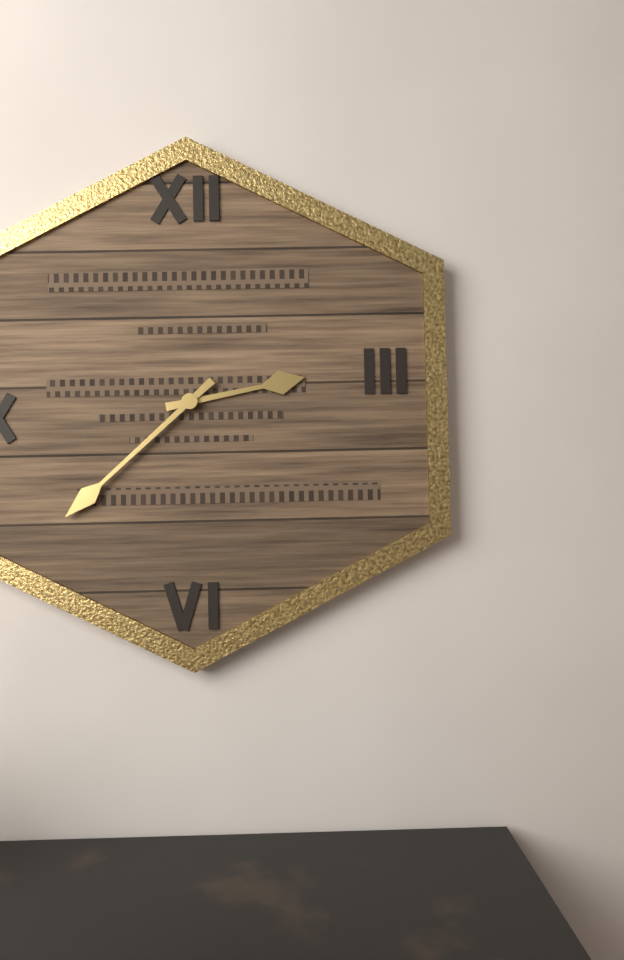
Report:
2,38
